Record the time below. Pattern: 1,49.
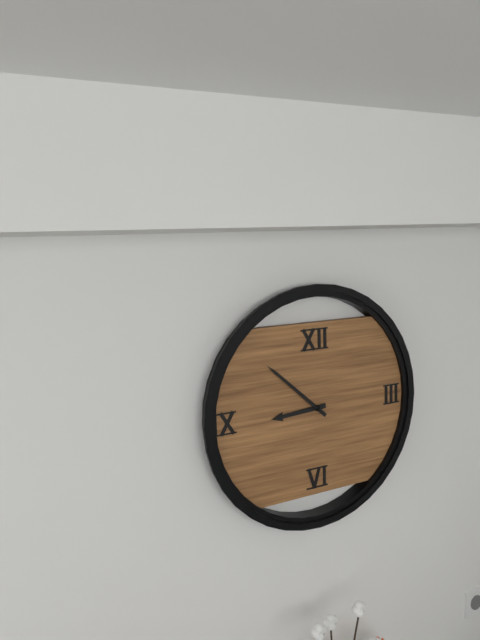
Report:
8,52
